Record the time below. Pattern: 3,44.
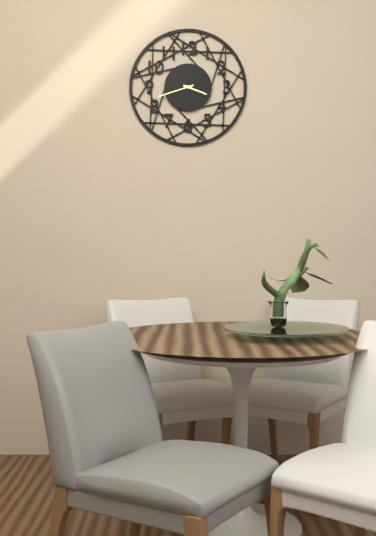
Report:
3,42
